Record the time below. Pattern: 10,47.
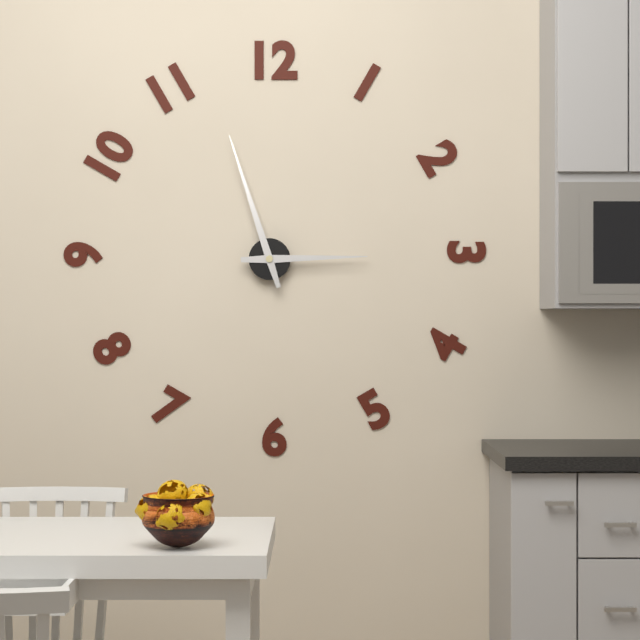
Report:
2,57
